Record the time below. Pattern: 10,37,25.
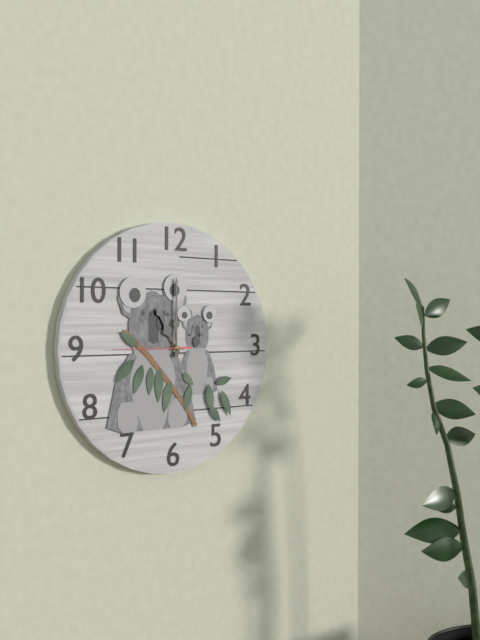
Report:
11,00,45
